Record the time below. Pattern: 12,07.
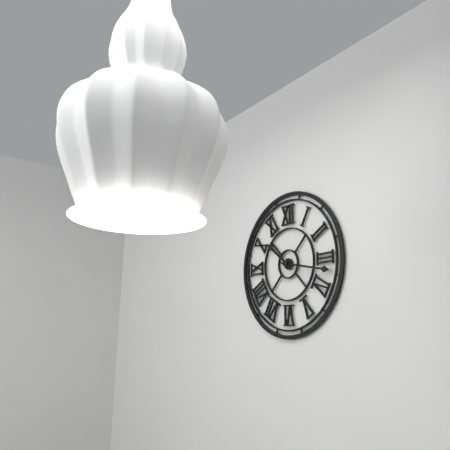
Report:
10,17
